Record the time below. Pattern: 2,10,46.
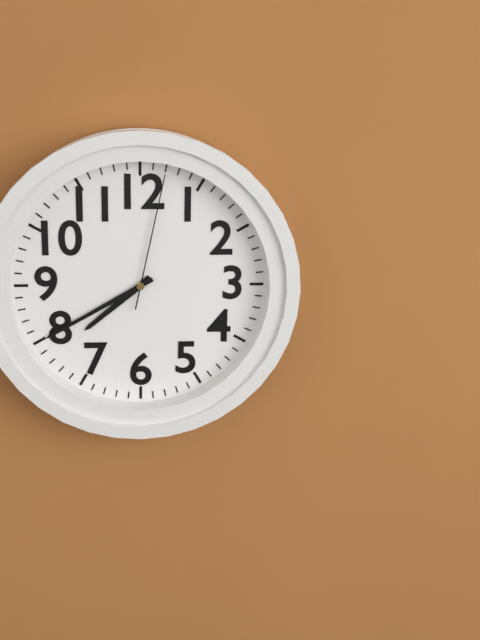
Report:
7,40,02
